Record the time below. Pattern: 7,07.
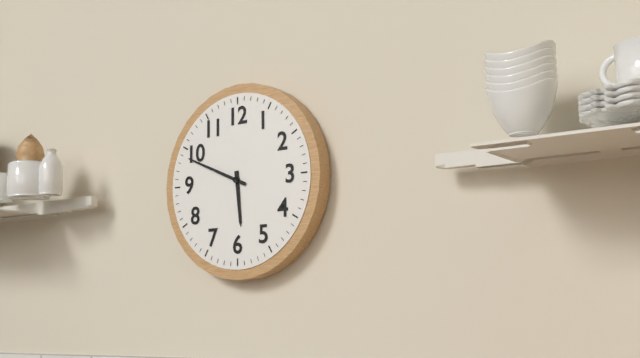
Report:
5,49
